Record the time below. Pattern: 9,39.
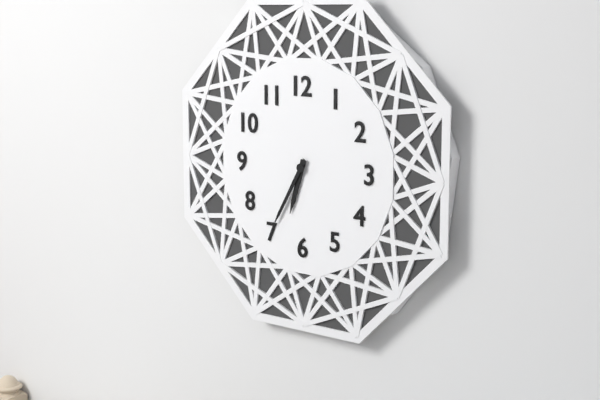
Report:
6,35
